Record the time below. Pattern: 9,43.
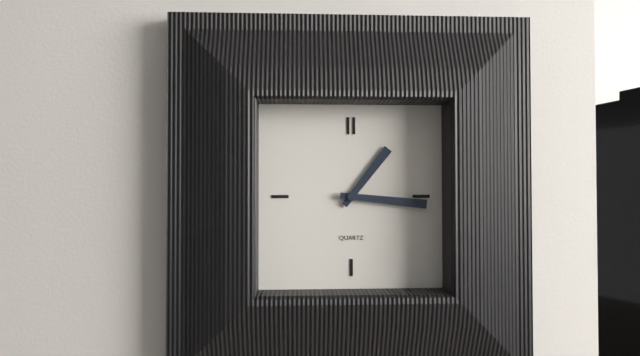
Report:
1,16
